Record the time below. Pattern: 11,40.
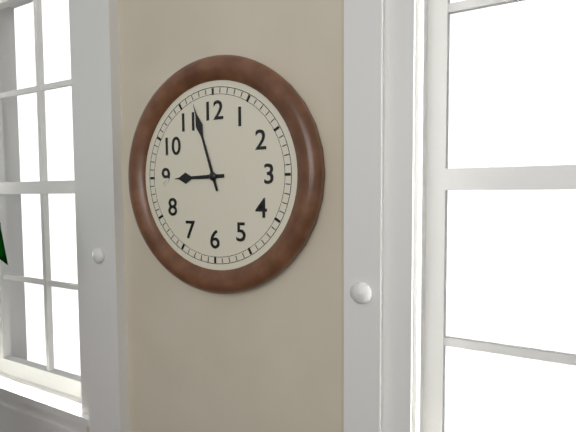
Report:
8,57
